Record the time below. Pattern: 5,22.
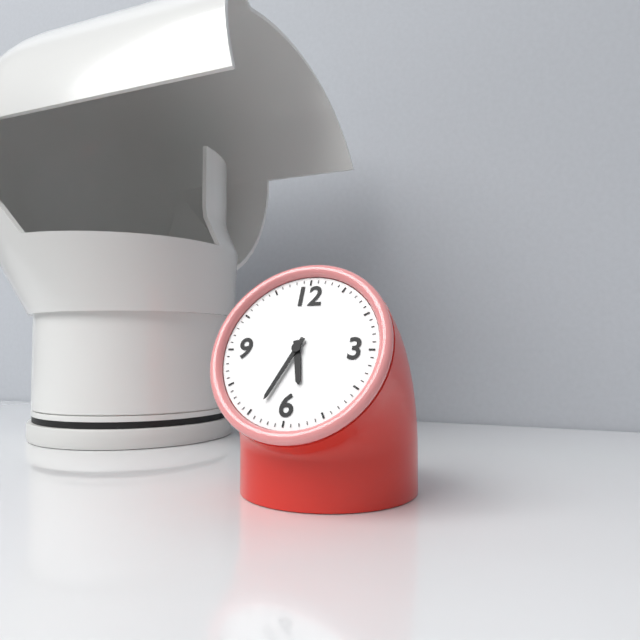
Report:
5,34
